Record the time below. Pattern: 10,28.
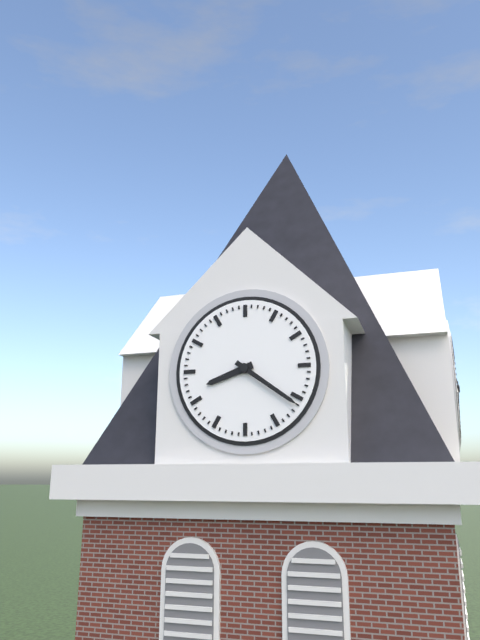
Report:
8,21
